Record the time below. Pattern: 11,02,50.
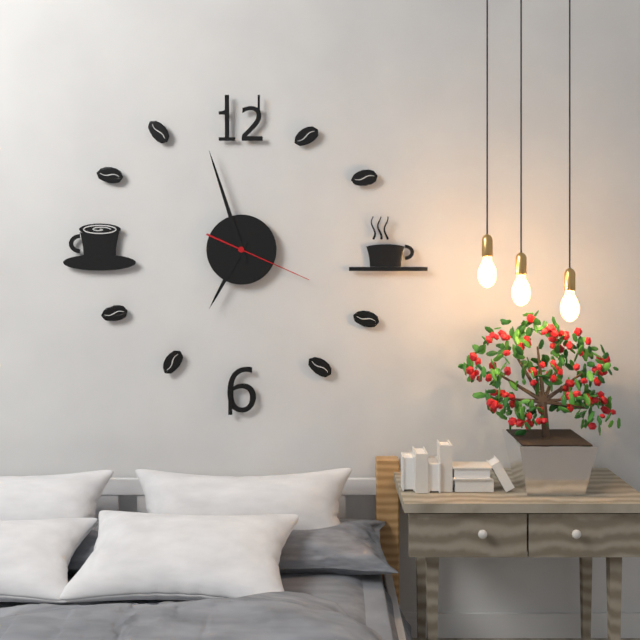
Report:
6,57,19
